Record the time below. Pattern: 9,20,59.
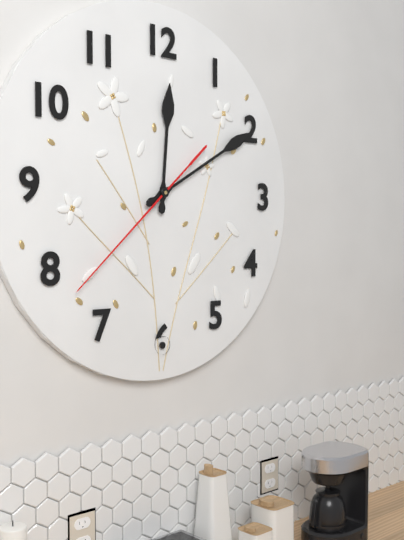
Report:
12,10,38
